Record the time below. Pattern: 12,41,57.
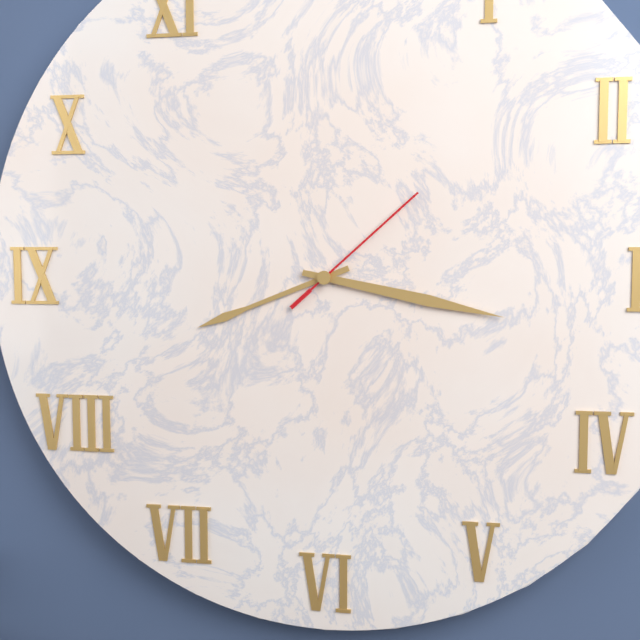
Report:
8,17,08
